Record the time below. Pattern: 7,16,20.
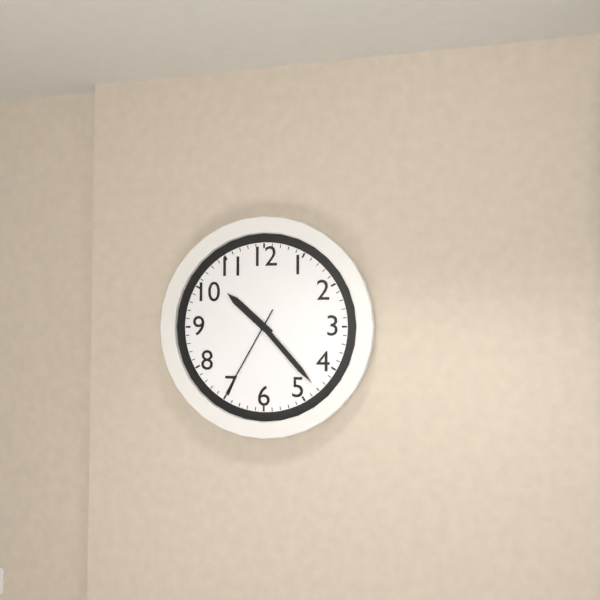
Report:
10,23,35
